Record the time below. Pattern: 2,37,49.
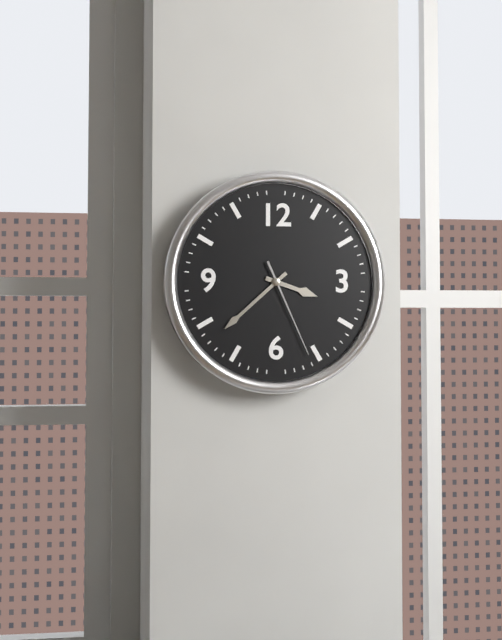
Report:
3,38,26
